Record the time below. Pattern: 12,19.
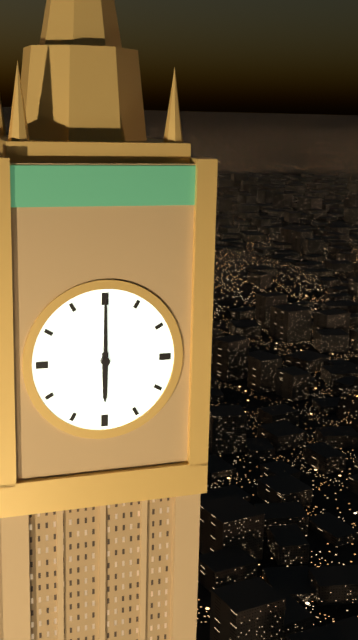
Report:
6,00
